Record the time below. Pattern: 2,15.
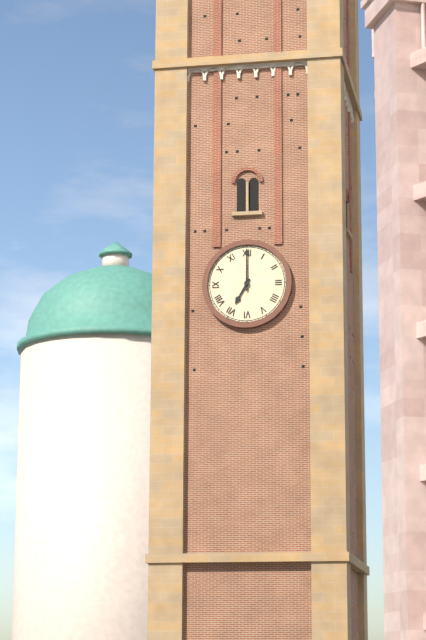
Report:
7,00
